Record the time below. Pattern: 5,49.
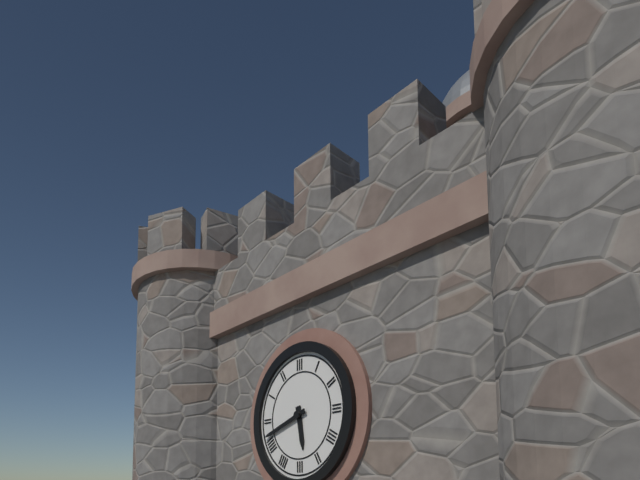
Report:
5,42
